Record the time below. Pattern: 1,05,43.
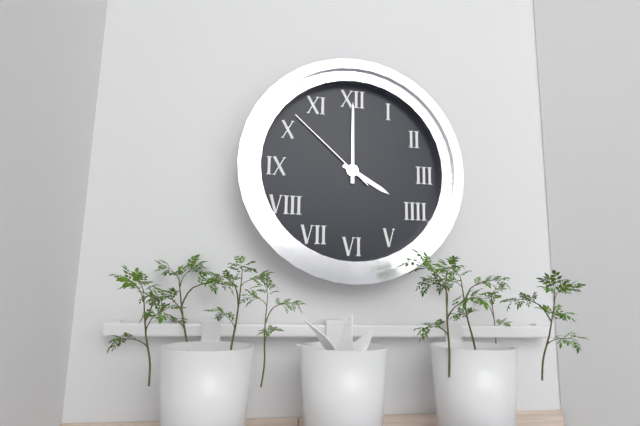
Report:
4,00,52
